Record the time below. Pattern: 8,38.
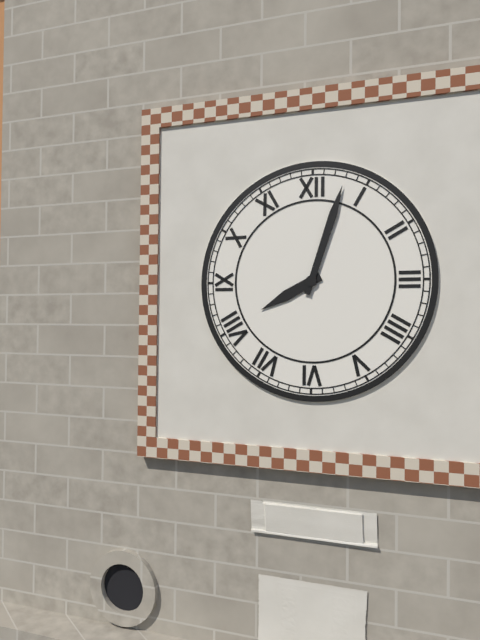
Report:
8,03
